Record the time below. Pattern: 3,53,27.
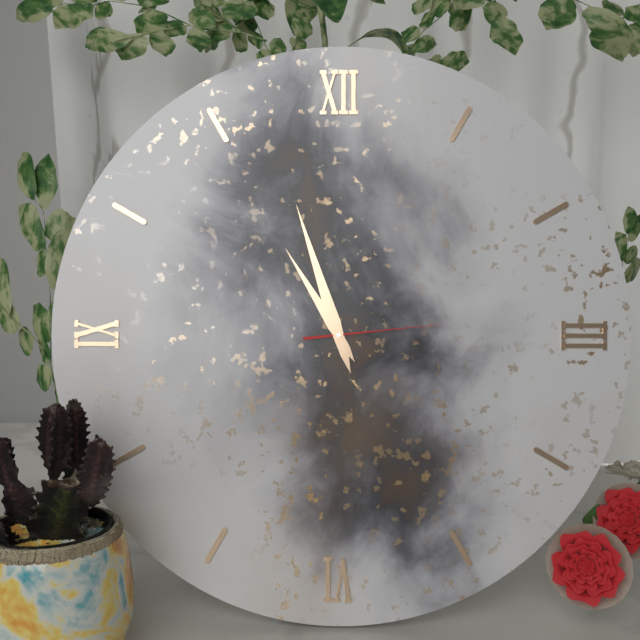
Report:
10,57,14
